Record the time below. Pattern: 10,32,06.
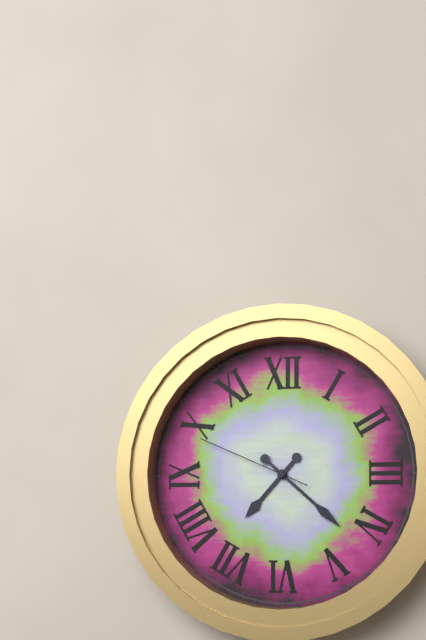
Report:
7,22,49
